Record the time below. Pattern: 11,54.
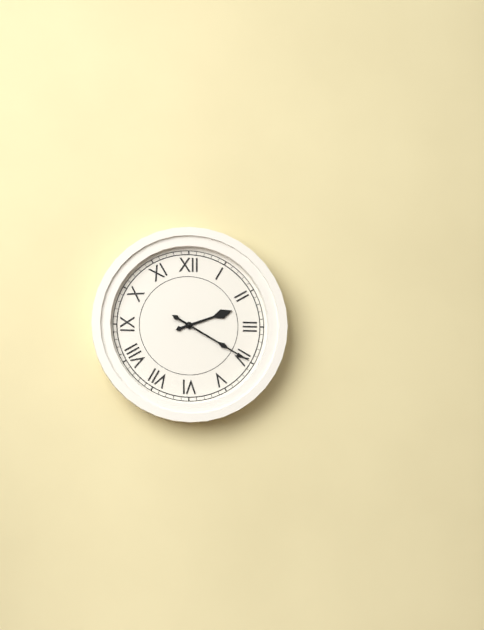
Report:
2,20
